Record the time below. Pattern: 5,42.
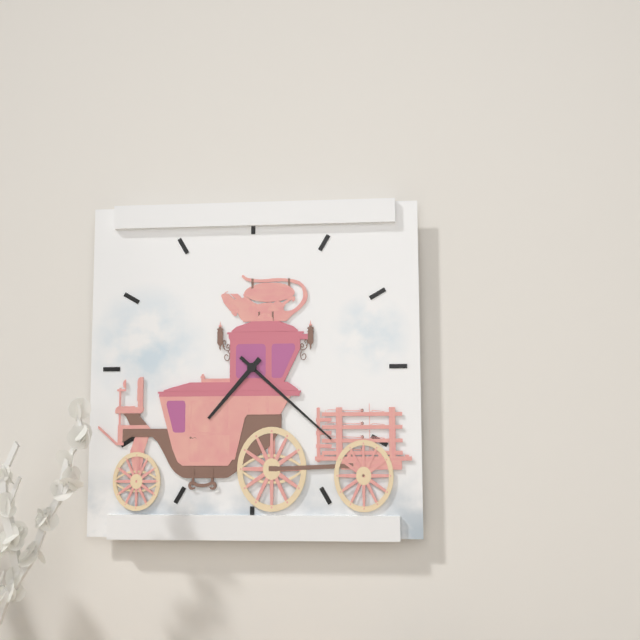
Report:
7,22
